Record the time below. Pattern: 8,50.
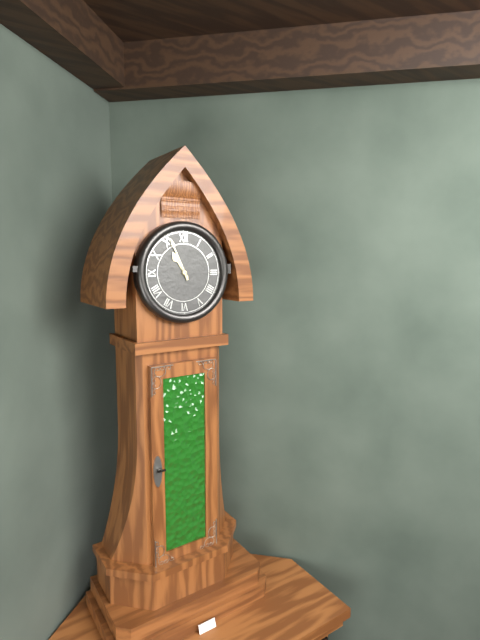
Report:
10,56
